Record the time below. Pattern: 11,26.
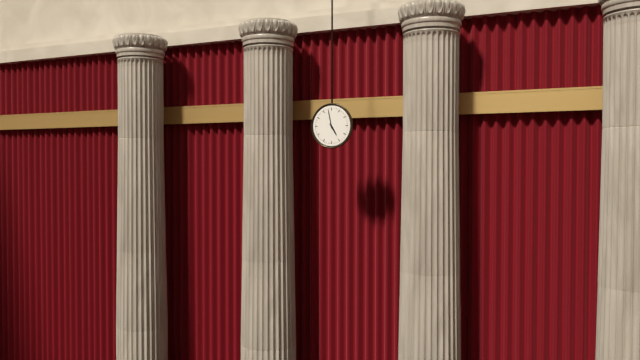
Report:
4,58
